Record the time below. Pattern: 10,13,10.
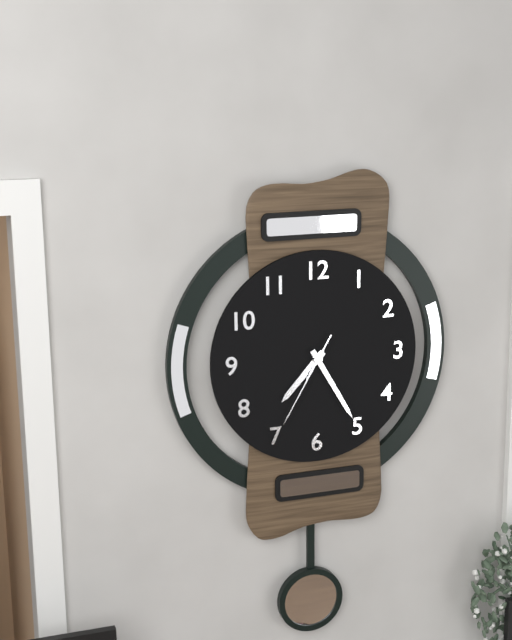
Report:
7,25,35
